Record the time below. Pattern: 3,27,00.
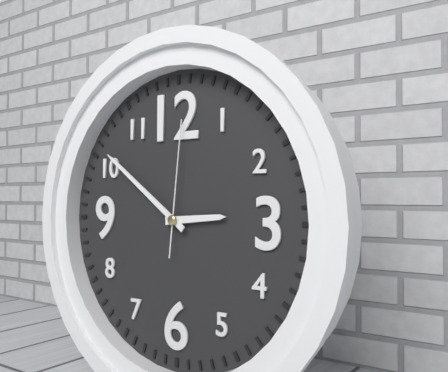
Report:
2,51,01
